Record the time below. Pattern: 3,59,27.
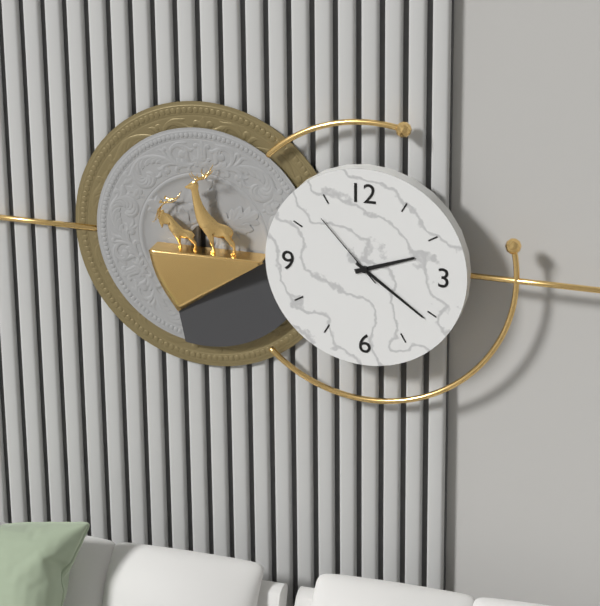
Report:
2,21,53
